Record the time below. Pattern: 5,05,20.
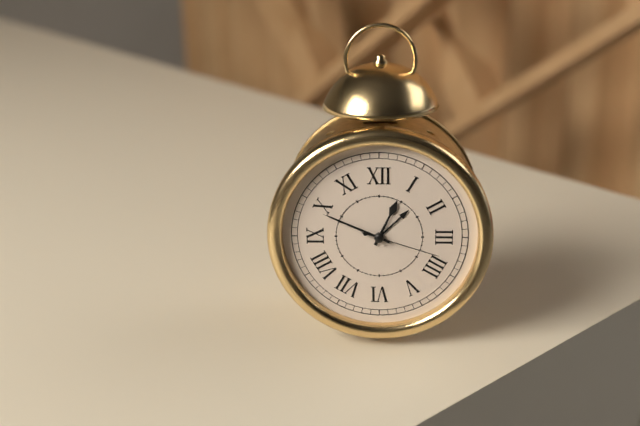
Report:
12,49,18
